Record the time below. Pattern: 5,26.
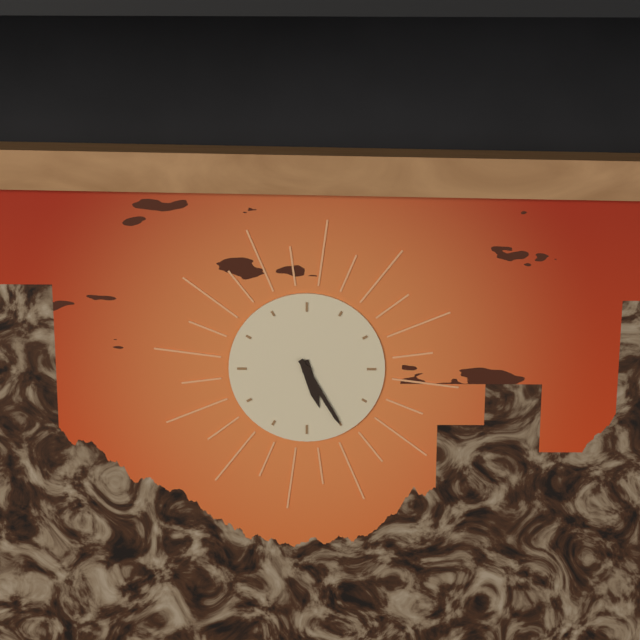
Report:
5,25
